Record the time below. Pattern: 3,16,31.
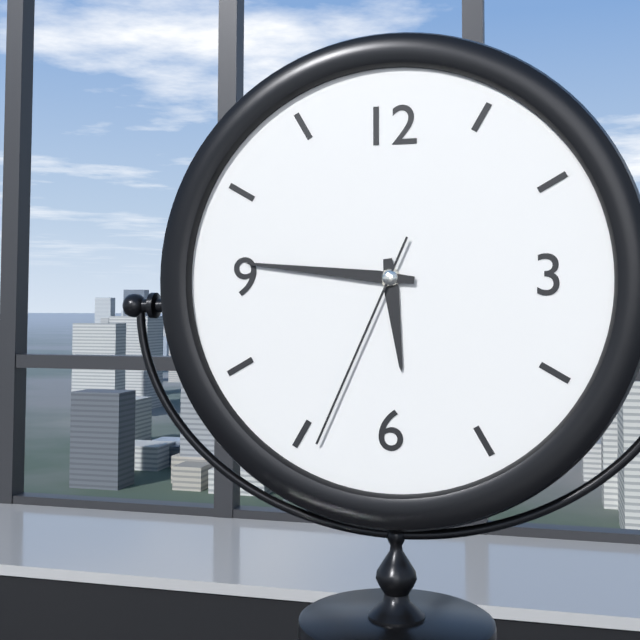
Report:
5,46,34
